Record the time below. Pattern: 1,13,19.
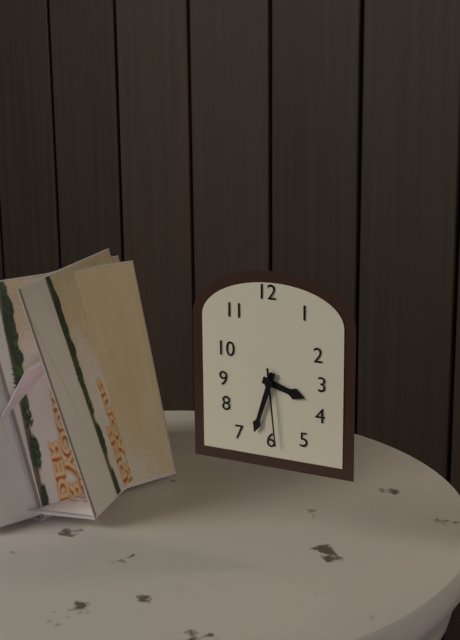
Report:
3,33,29
